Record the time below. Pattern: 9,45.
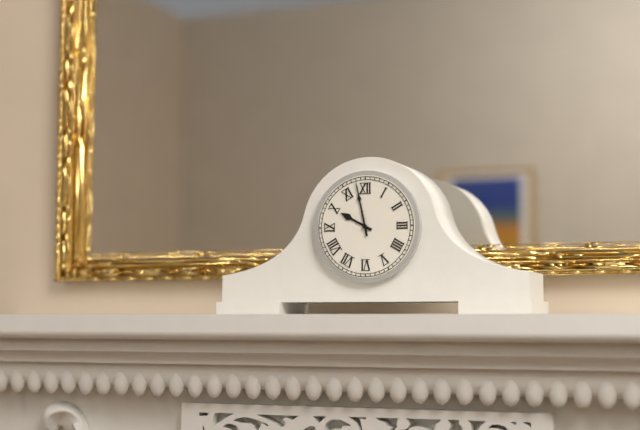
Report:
9,58
